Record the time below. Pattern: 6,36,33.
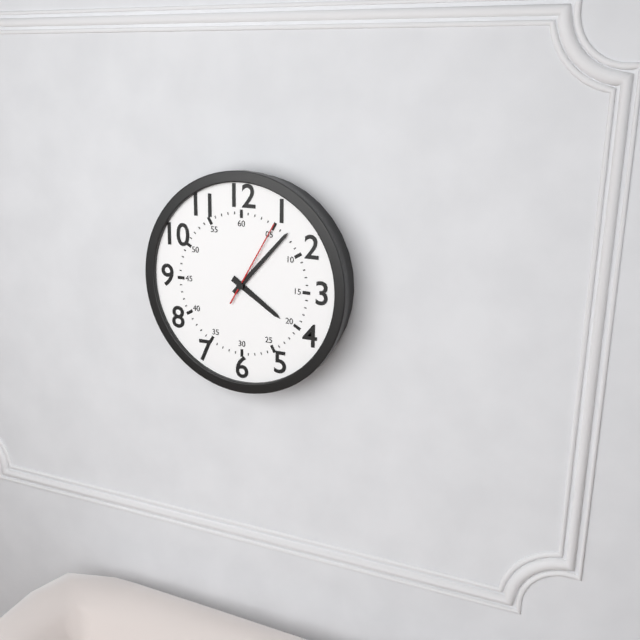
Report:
4,07,05
